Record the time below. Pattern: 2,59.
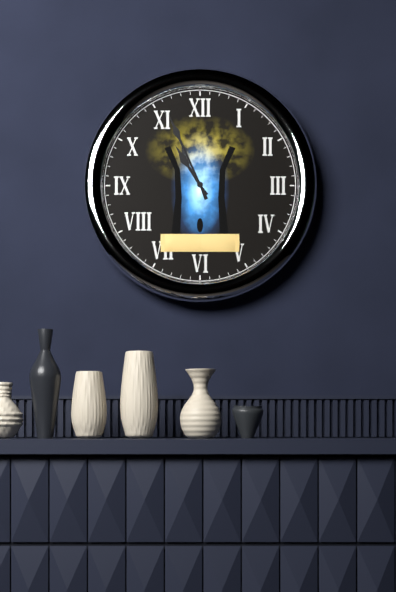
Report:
10,56
